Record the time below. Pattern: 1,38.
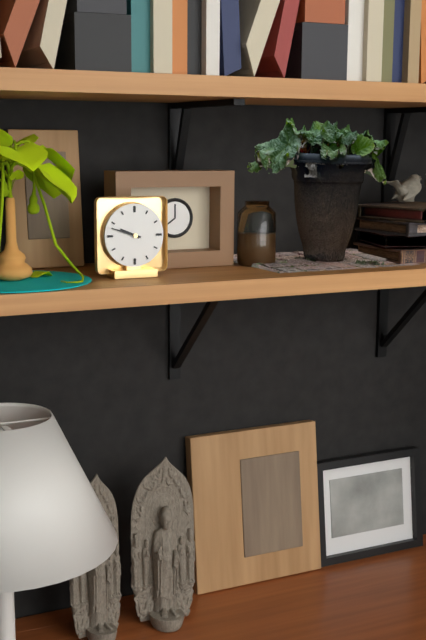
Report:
9,48
